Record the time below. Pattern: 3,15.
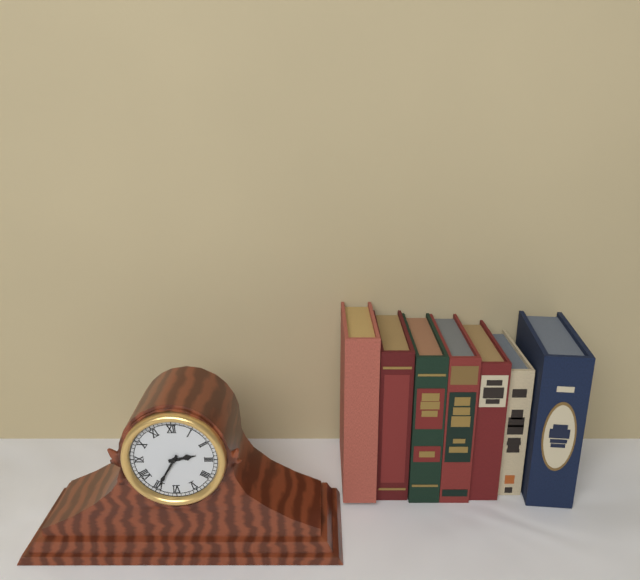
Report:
2,35
